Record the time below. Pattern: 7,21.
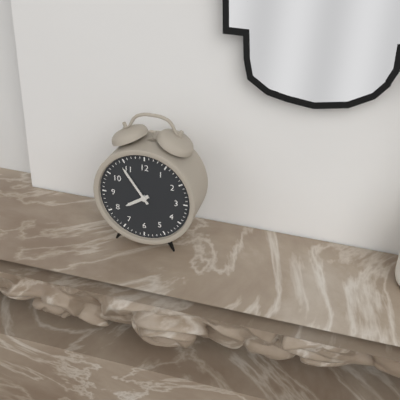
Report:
7,54
